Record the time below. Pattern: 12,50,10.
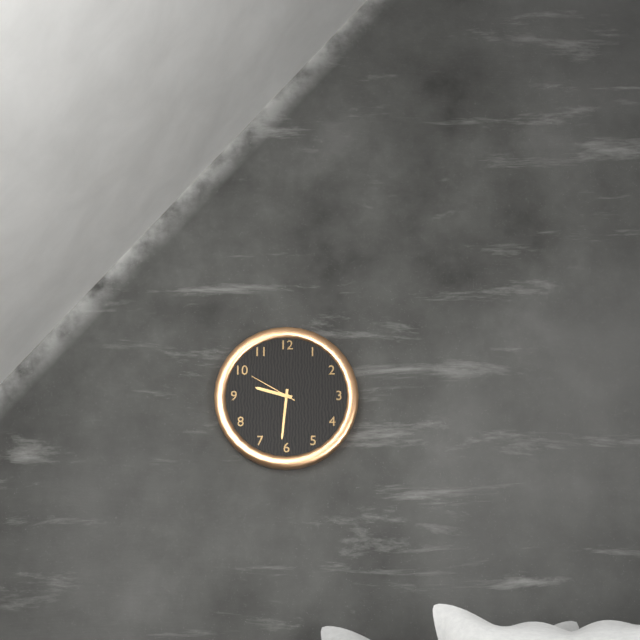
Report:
9,31,50
